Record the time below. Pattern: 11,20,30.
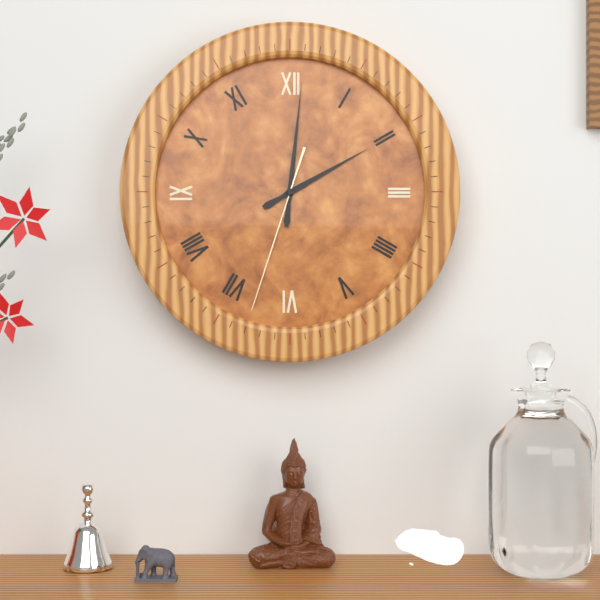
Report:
2,01,33
